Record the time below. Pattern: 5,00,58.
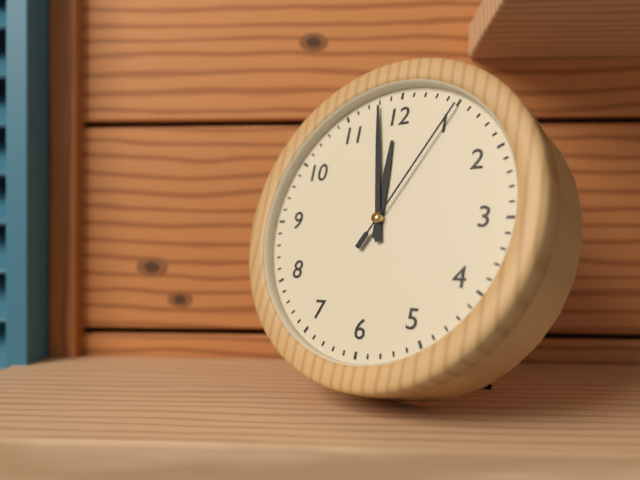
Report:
11,58,05
